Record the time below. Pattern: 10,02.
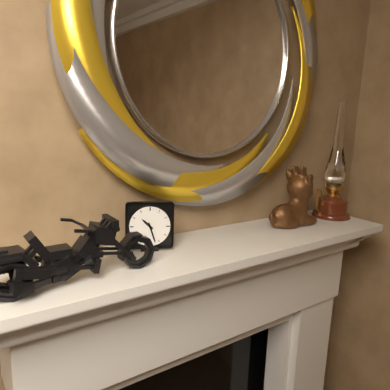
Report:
10,27
